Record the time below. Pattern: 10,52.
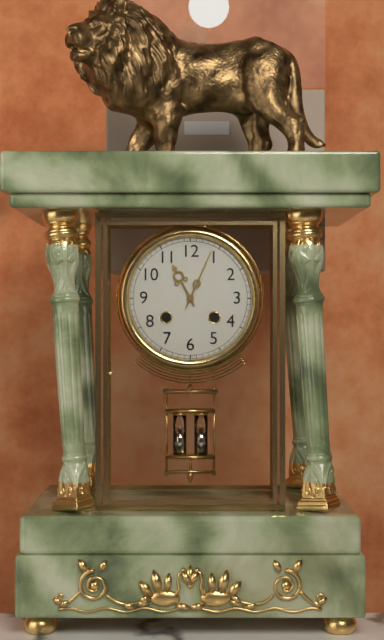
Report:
11,04
